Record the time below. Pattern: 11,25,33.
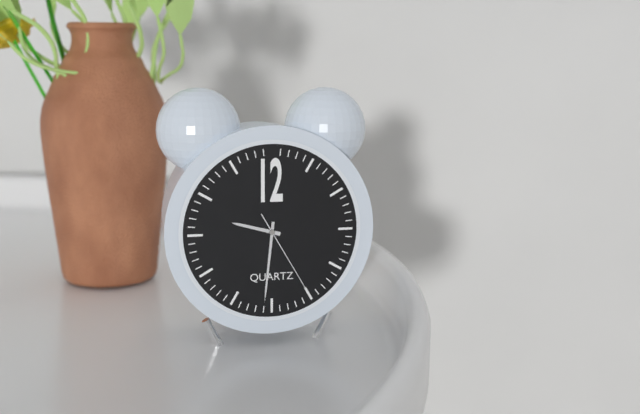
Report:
9,31,25
